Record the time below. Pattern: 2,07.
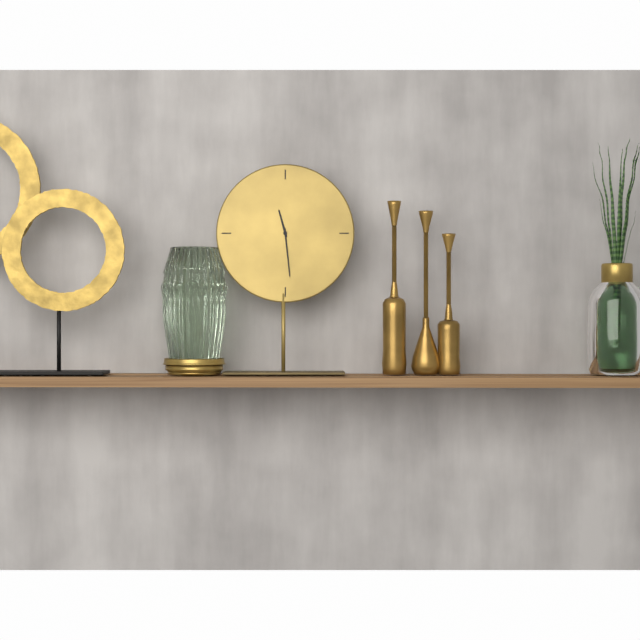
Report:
11,29
